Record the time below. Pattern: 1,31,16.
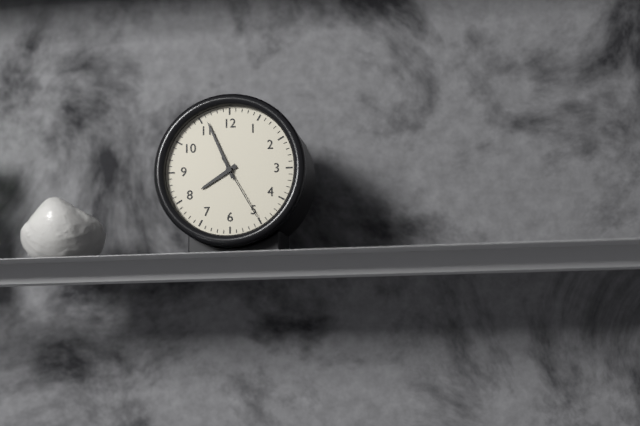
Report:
7,56,25
